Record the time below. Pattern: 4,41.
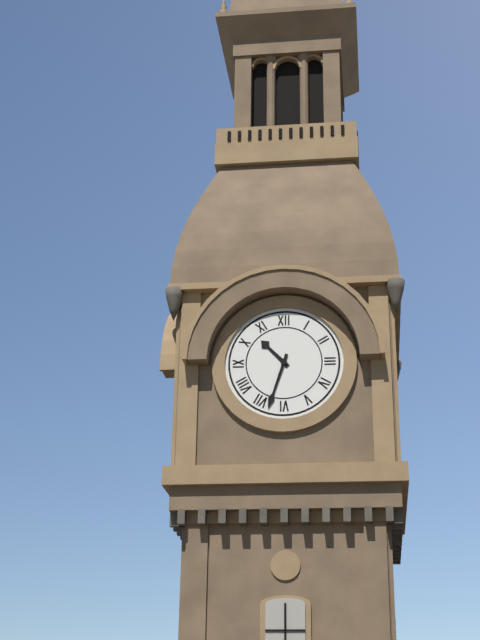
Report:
10,33
